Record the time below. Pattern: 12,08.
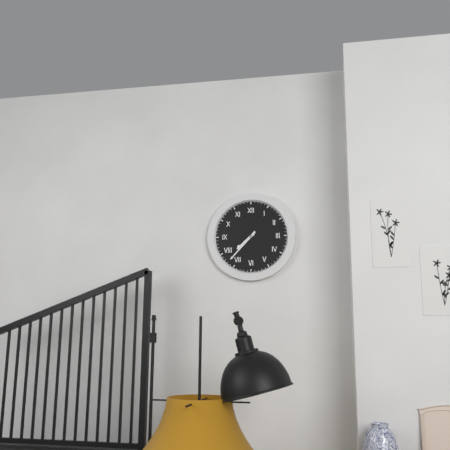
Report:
7,37
